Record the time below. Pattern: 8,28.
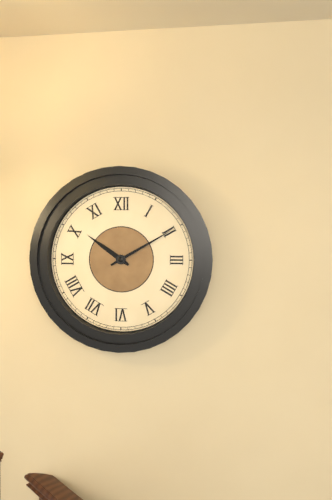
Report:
10,10
